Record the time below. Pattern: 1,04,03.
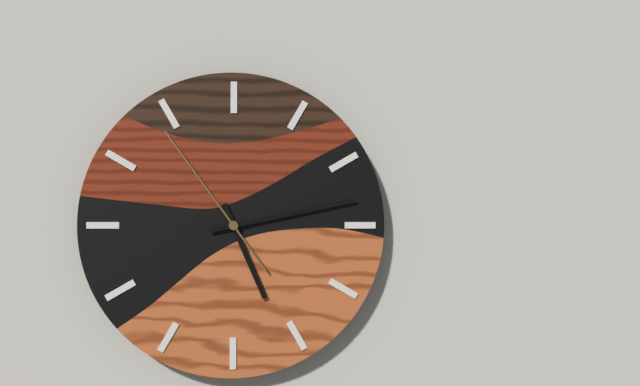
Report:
5,13,54
